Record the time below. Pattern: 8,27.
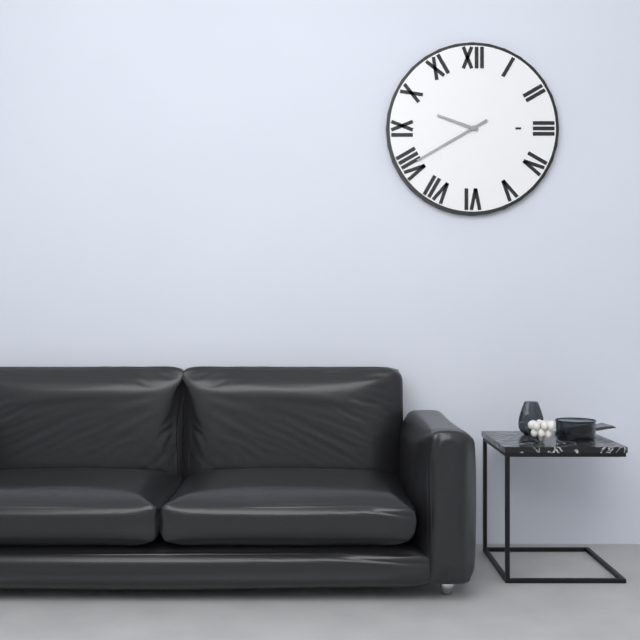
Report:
9,40
